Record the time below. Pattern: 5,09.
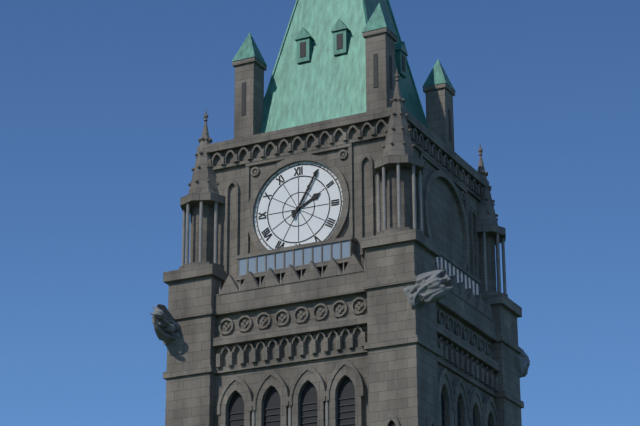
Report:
2,05
